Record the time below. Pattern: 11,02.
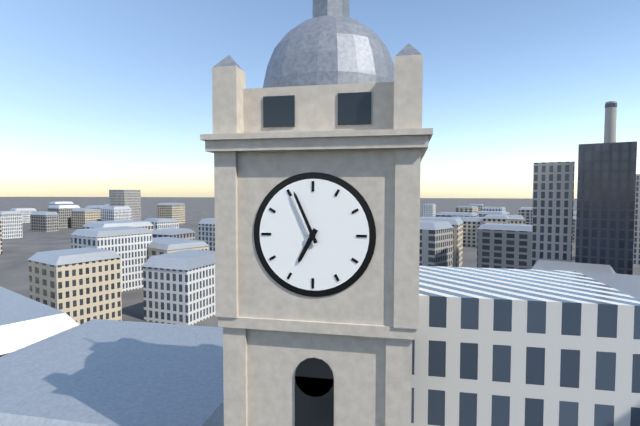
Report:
6,56
